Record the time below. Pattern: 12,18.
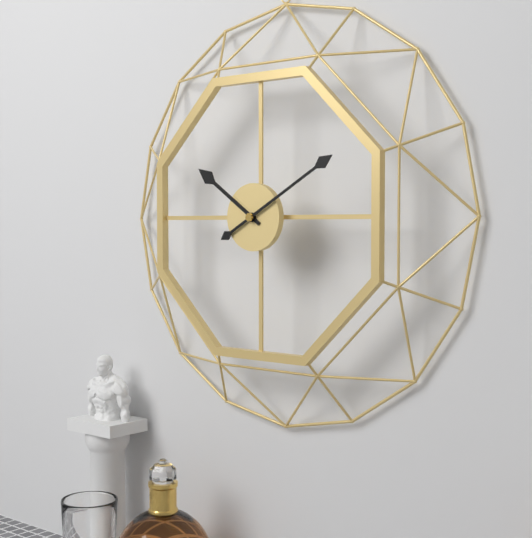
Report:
10,10
